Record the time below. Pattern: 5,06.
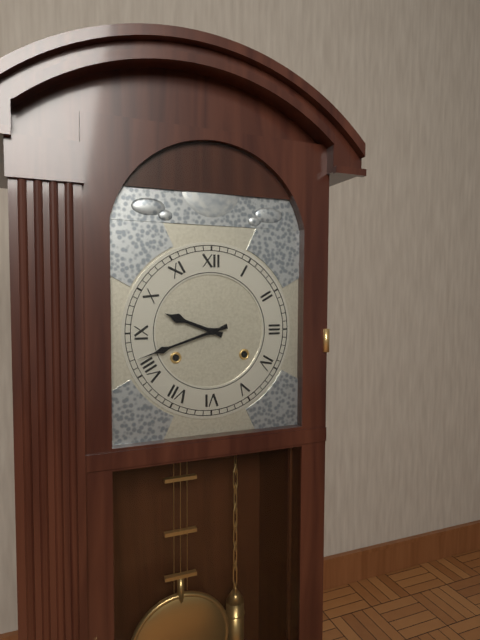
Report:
9,42
